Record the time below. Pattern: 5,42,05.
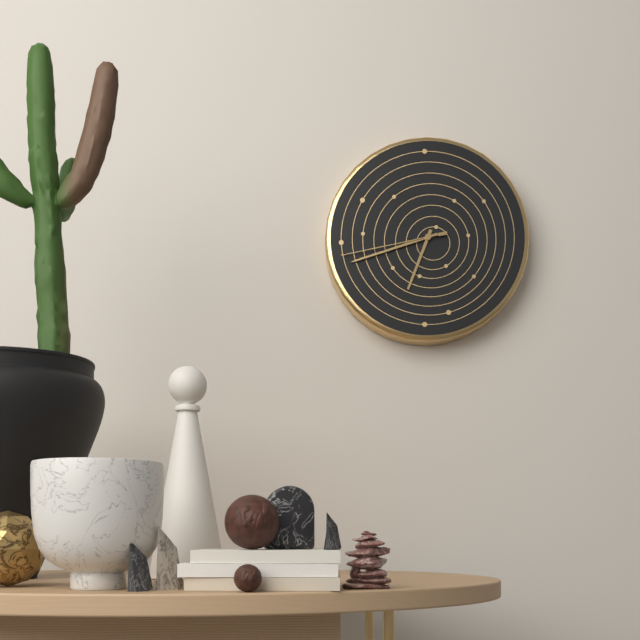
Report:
6,42,43
